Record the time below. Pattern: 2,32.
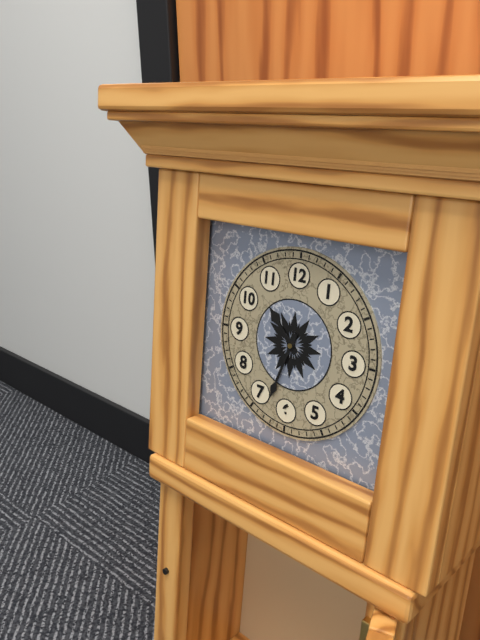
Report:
10,33
